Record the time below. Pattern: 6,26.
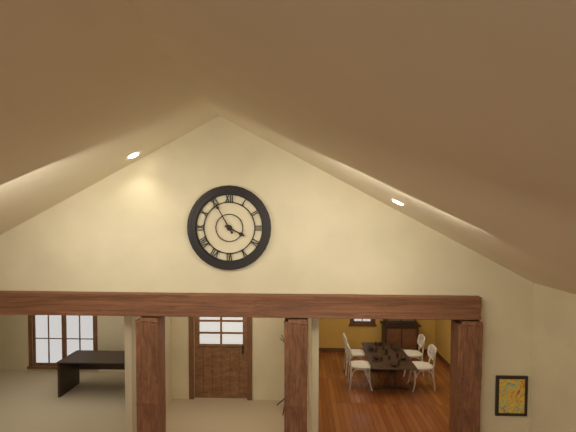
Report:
3,55
